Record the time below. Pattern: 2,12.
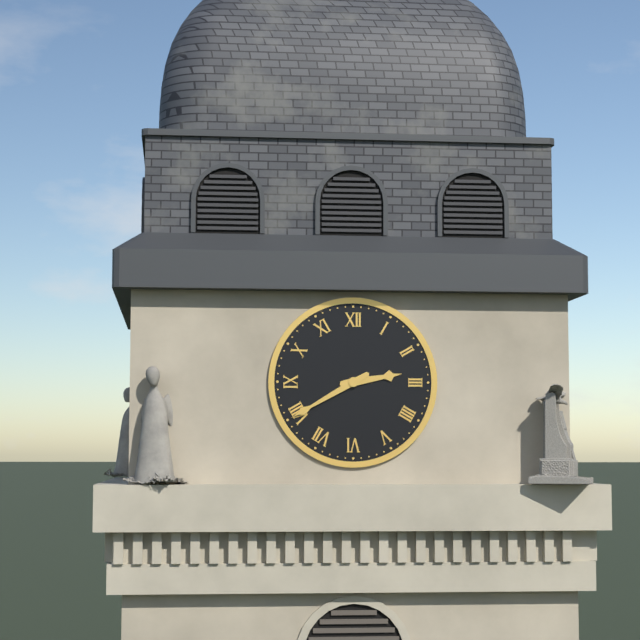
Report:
2,40
